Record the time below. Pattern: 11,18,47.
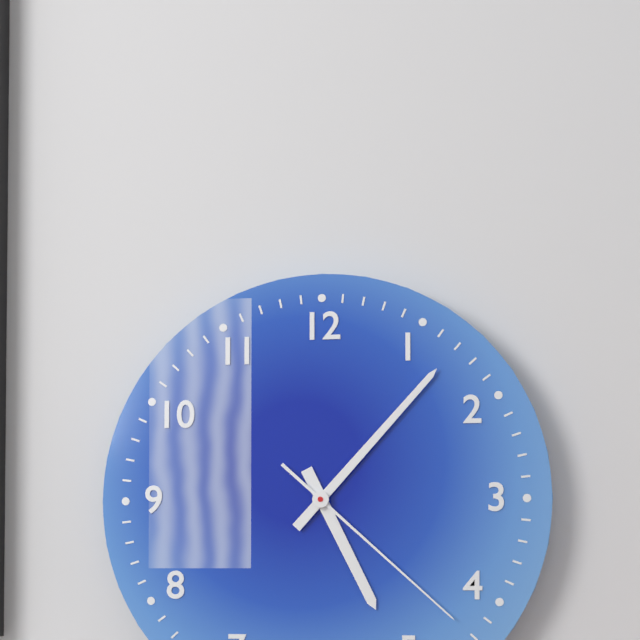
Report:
5,07,22
